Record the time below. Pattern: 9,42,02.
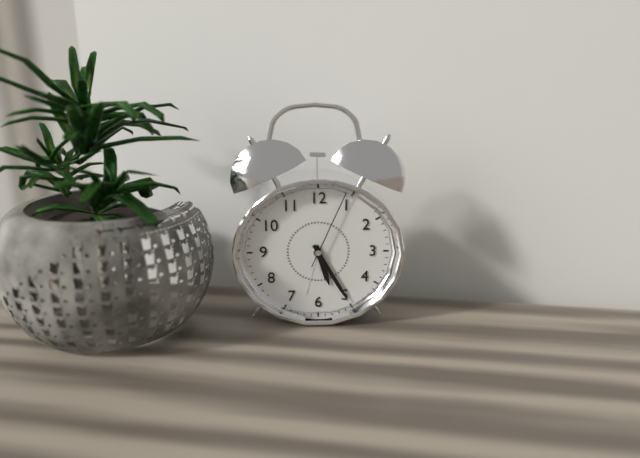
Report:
5,25,04
